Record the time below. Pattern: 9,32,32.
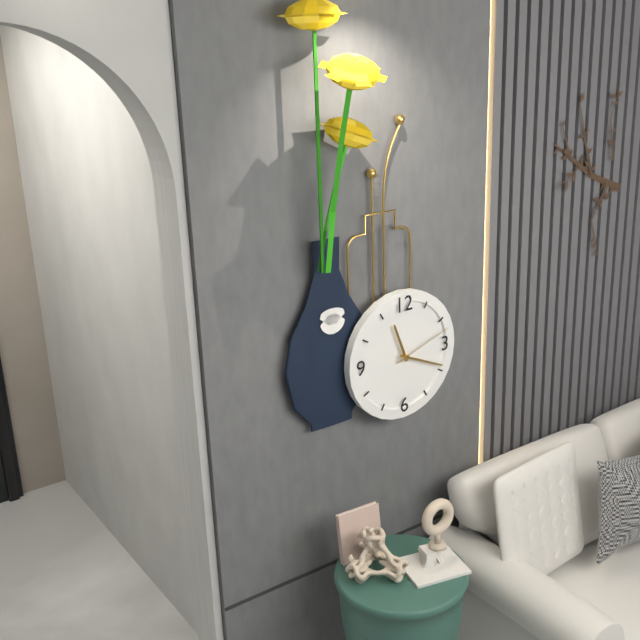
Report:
11,19,12
